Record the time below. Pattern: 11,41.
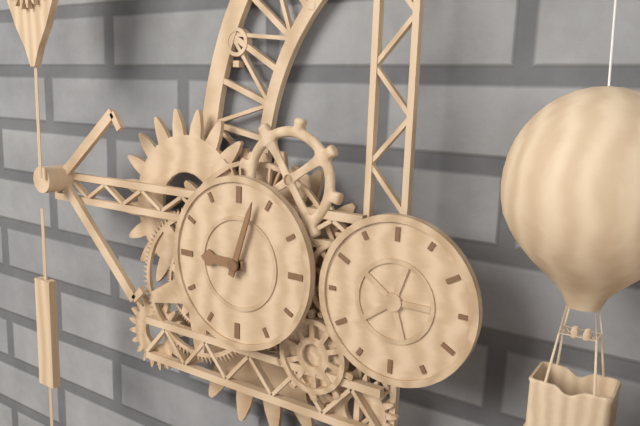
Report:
9,03
